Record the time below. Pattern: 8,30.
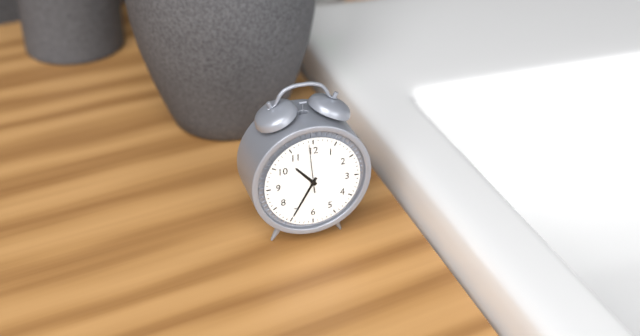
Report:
10,35
